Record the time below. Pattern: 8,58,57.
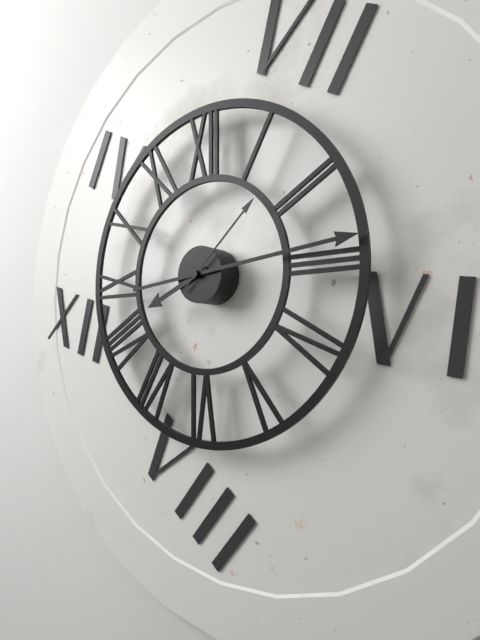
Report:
8,14,08
